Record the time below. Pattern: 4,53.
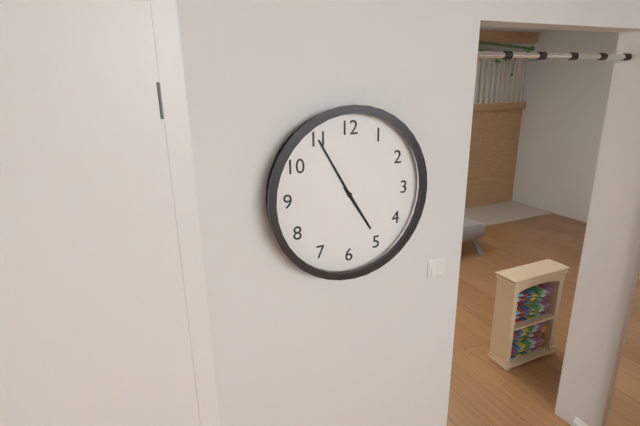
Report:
4,55
